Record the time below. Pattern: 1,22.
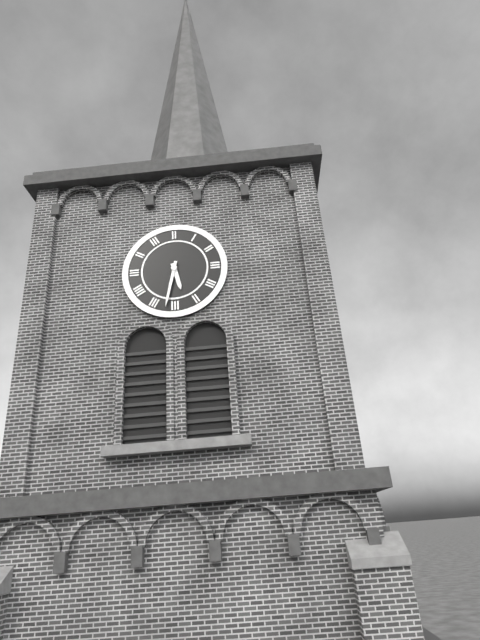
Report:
5,32
